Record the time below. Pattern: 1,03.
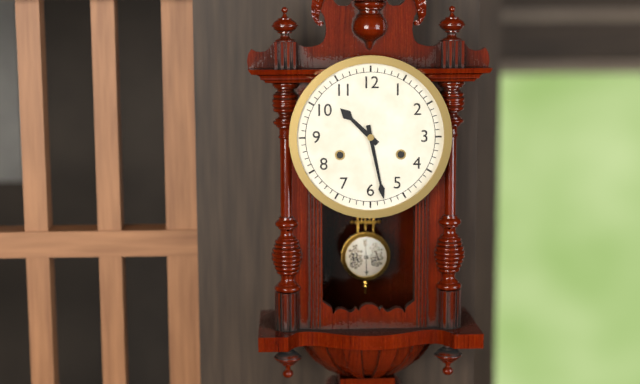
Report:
10,28
